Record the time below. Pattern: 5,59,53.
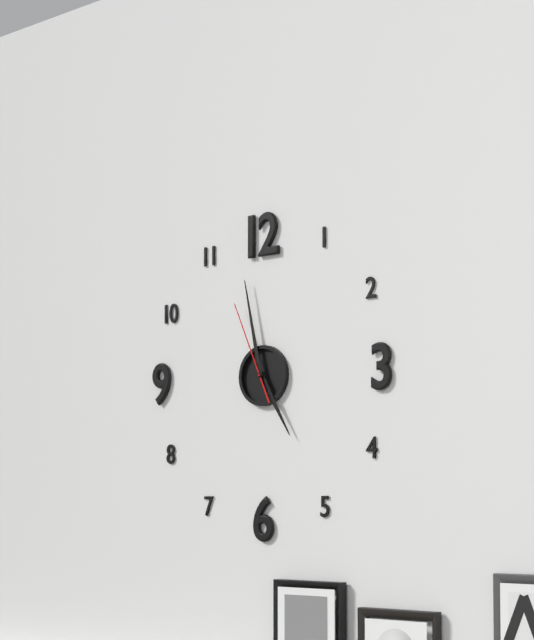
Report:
4,58,56
